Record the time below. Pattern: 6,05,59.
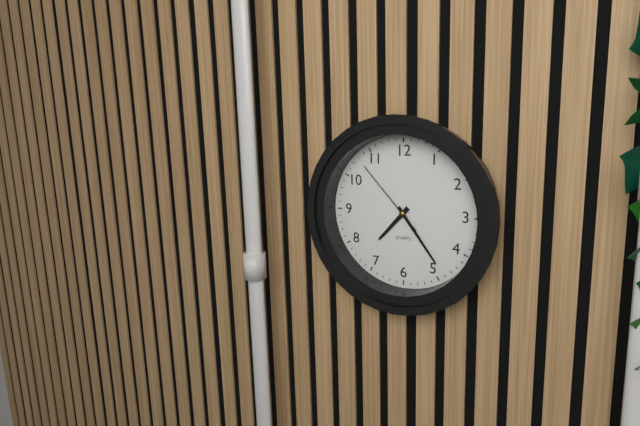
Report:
7,24,53
